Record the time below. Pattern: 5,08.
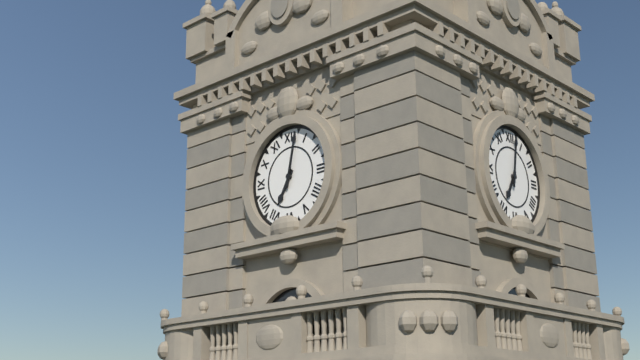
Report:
7,02
